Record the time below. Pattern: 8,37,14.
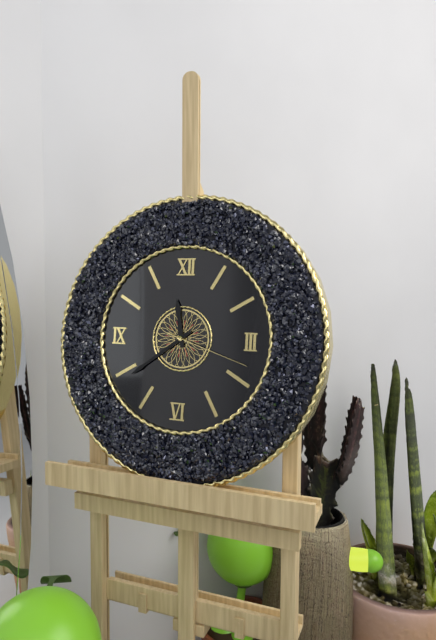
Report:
11,39,18
